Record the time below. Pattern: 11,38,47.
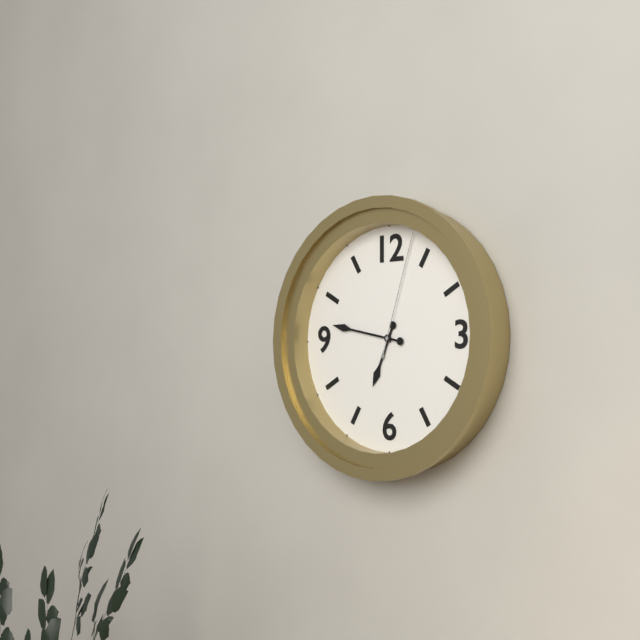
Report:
6,47,03
